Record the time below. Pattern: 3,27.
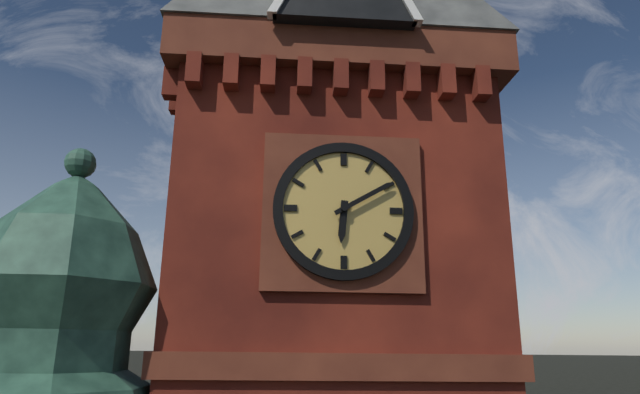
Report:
6,10
